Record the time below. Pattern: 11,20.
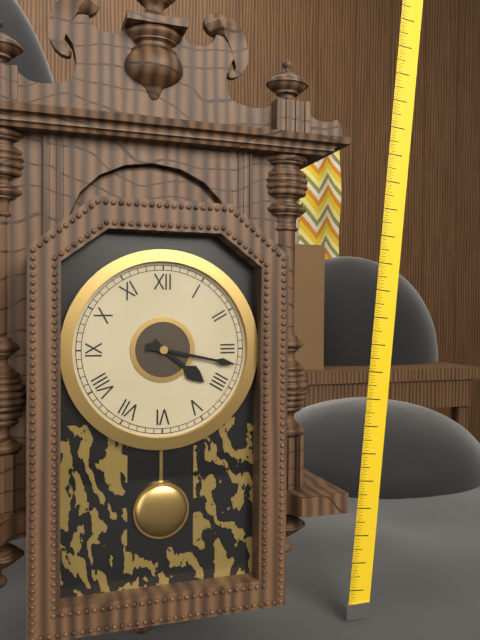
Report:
4,17
